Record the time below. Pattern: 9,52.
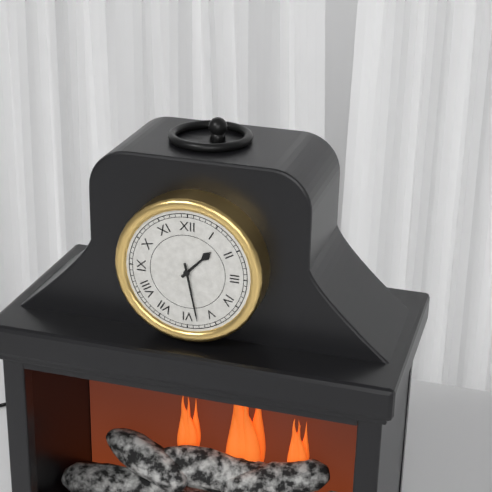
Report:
1,28
